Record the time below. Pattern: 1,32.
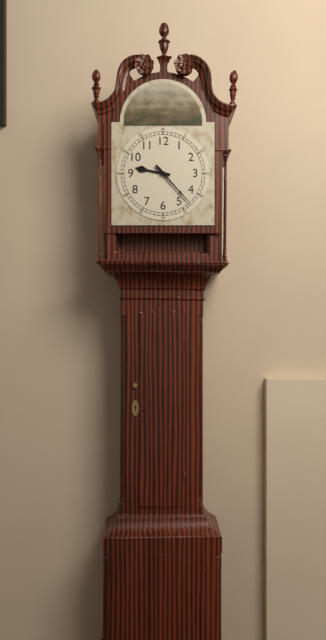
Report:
9,23
